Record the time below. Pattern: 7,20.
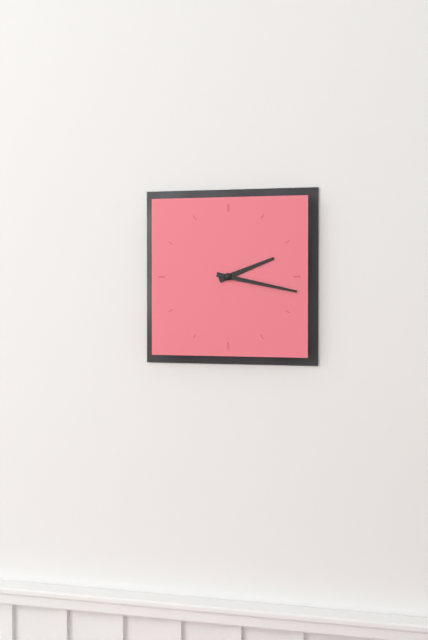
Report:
2,17
